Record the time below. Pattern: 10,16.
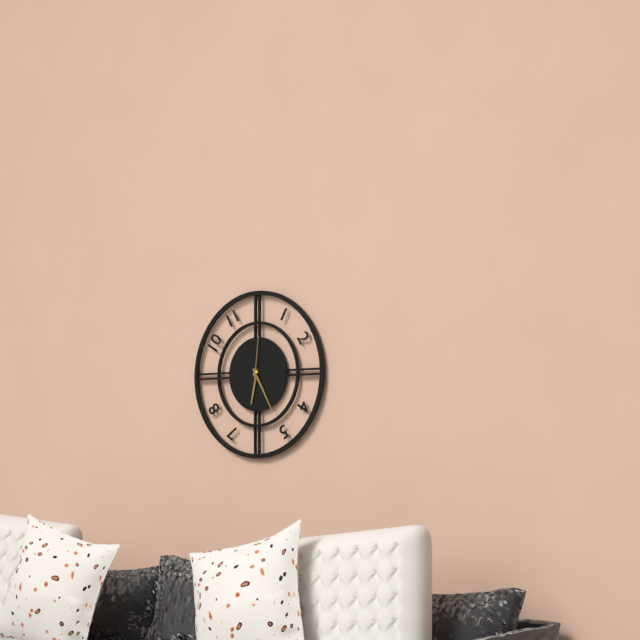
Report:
6,25
